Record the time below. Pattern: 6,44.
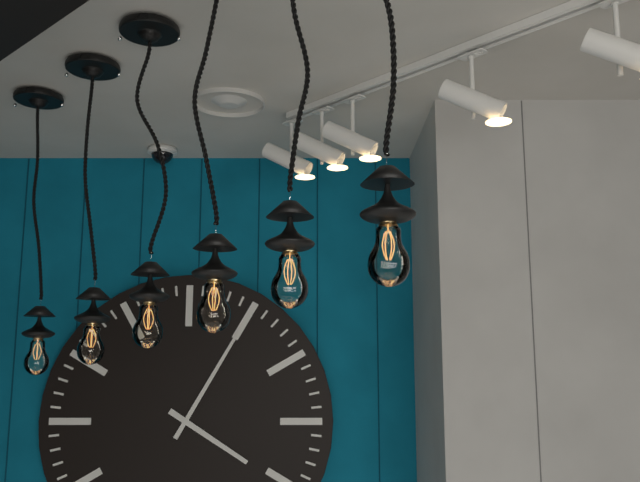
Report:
4,05
